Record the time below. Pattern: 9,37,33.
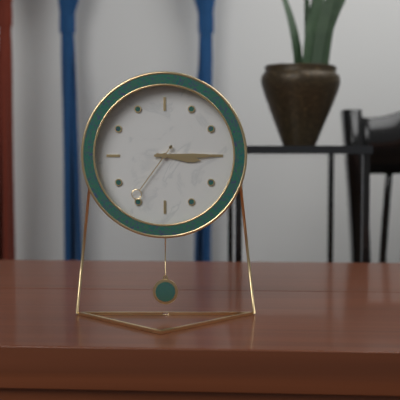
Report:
3,15,36
